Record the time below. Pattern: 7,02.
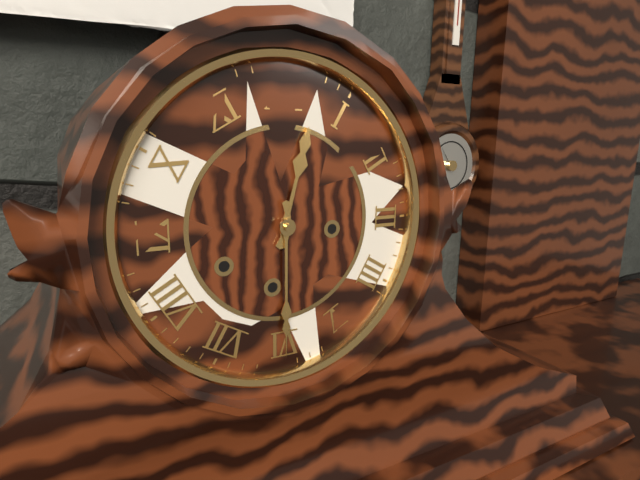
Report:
12,30
